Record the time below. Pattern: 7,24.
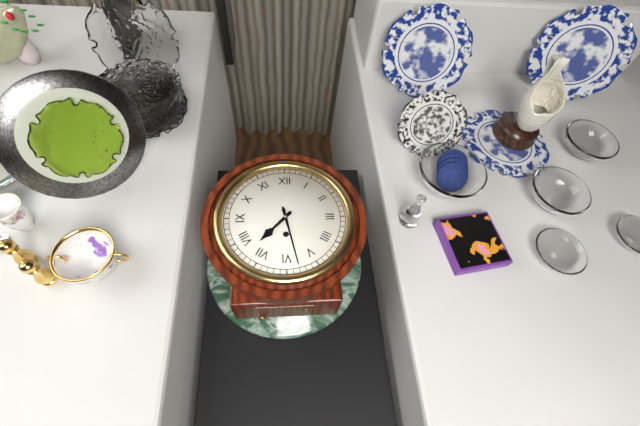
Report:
7,28
